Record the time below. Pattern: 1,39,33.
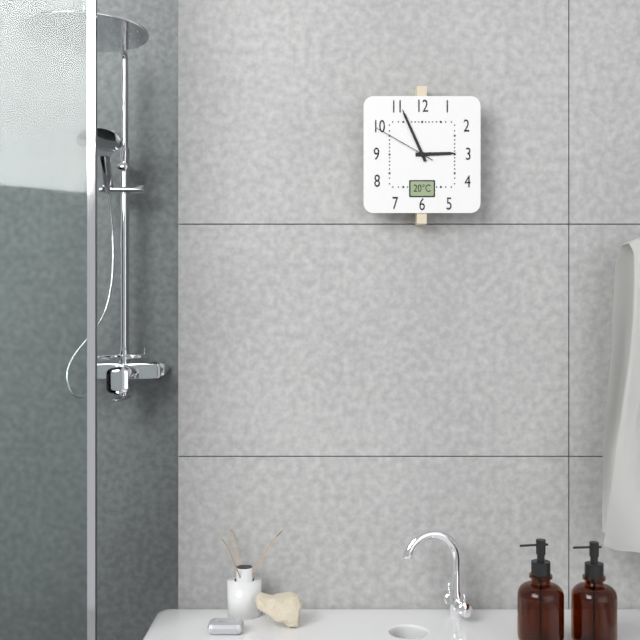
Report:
2,56,50
